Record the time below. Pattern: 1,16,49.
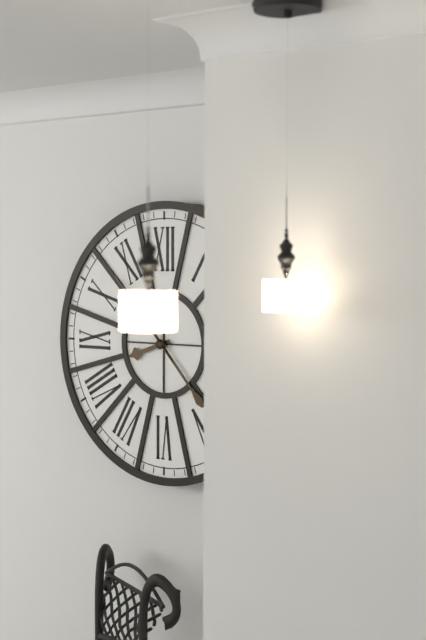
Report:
8,23,53
